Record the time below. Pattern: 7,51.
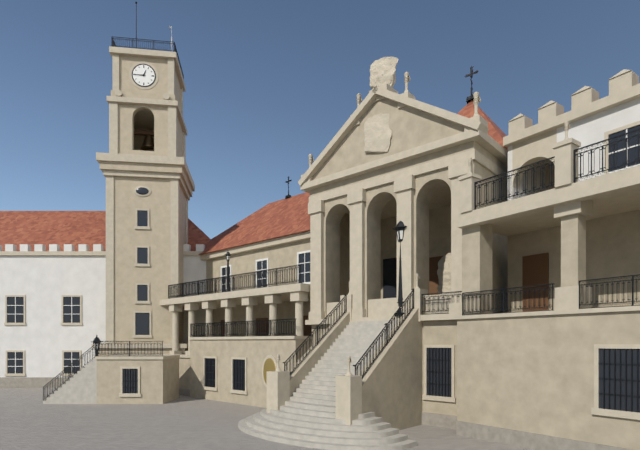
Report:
12,45
